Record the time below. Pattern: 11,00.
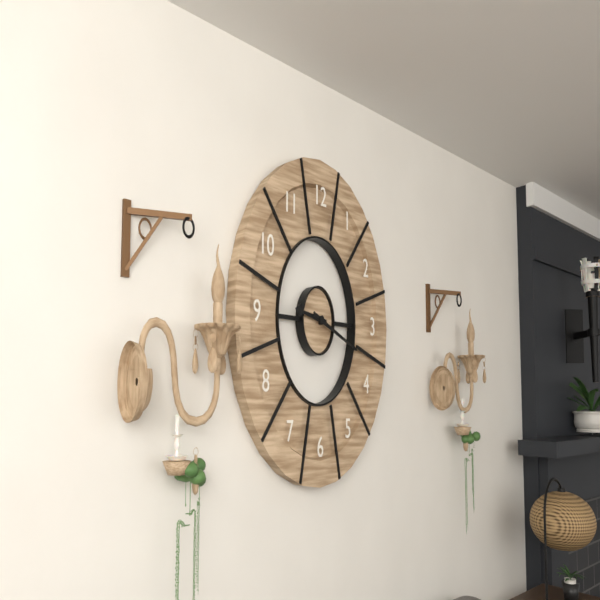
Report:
9,18
